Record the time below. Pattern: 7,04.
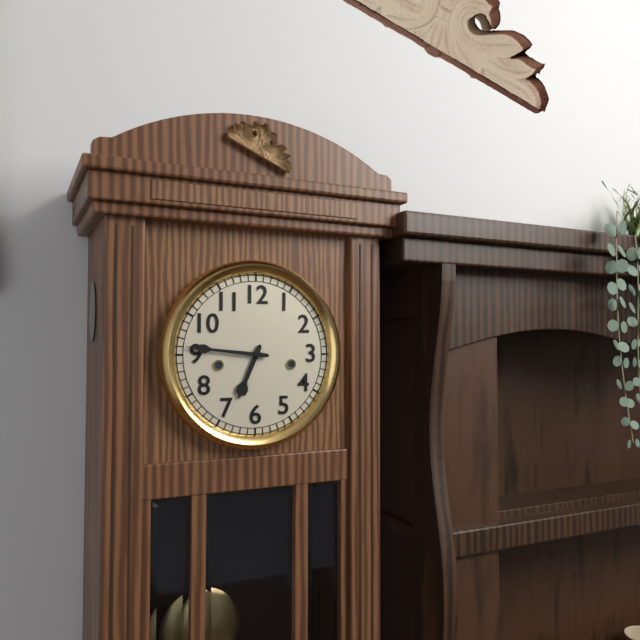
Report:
6,46
